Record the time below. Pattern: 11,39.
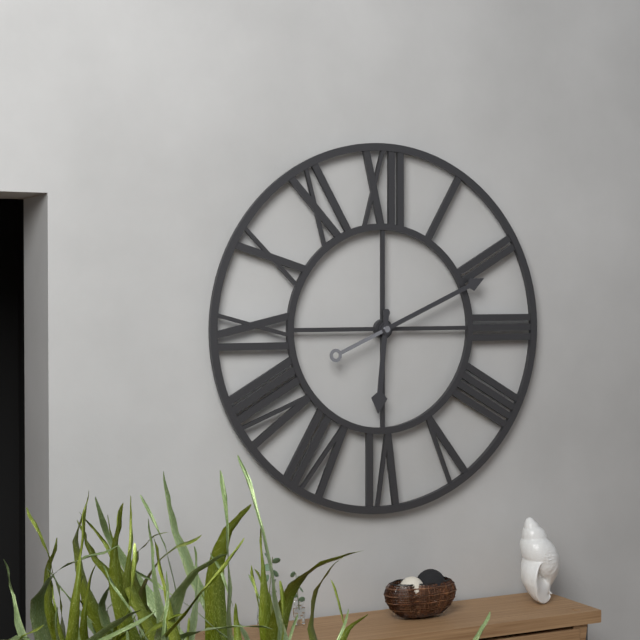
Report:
6,11
